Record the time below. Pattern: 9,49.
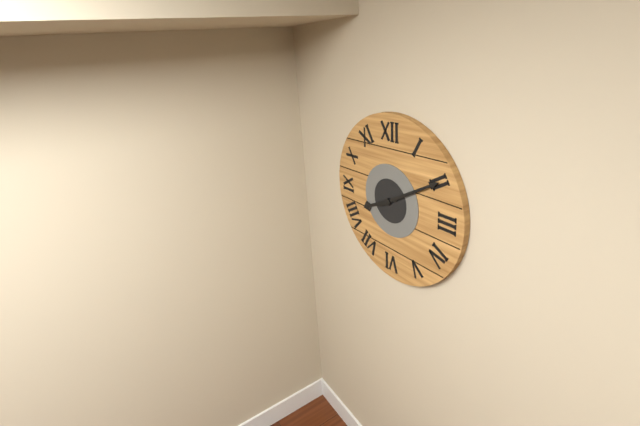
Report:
8,10
